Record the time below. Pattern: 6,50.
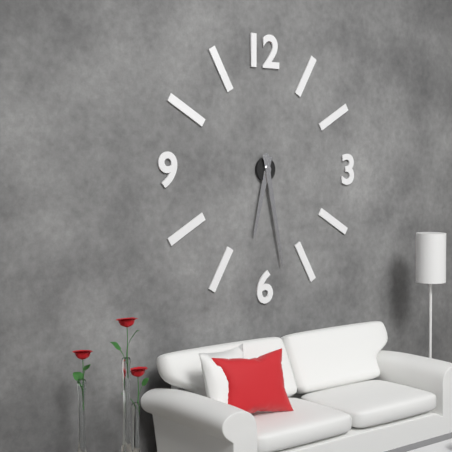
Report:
6,28
